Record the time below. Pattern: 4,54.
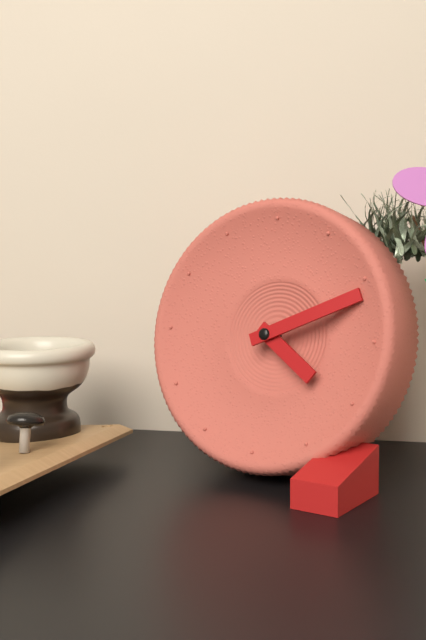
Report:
4,11
